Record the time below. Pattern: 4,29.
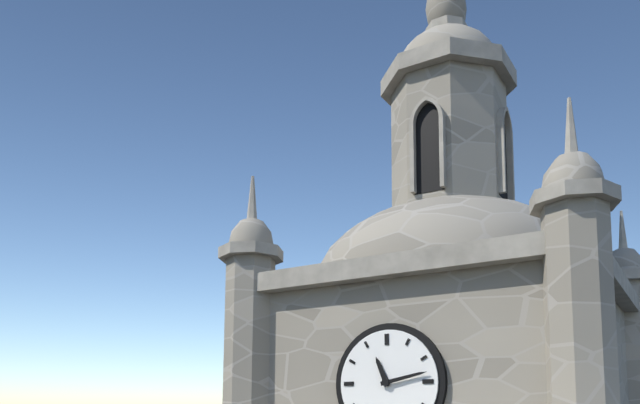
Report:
11,13
